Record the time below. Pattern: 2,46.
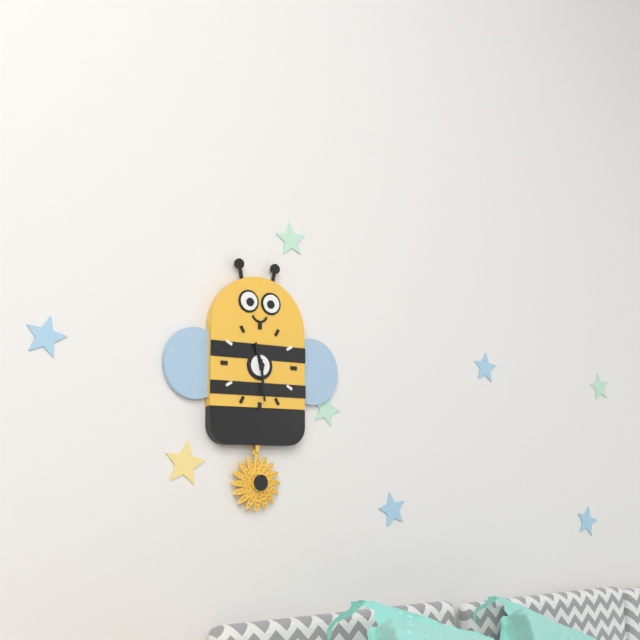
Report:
11,29
